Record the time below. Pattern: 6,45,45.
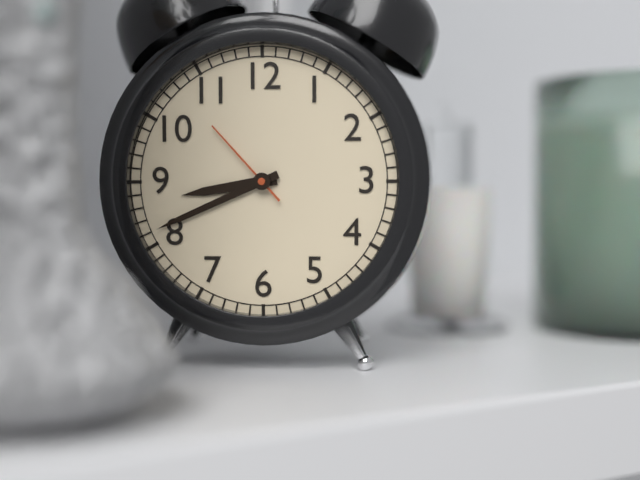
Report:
8,41,53
